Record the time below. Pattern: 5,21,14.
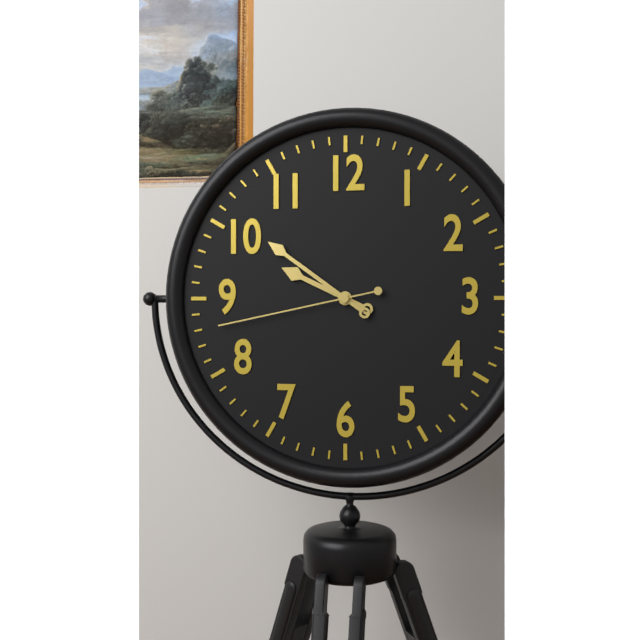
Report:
9,51,43
